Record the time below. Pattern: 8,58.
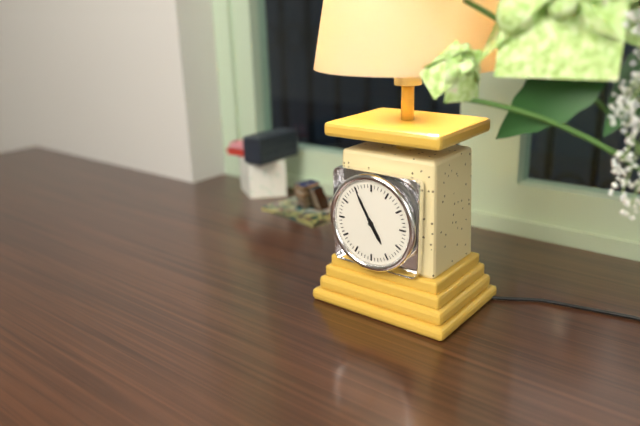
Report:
4,55
